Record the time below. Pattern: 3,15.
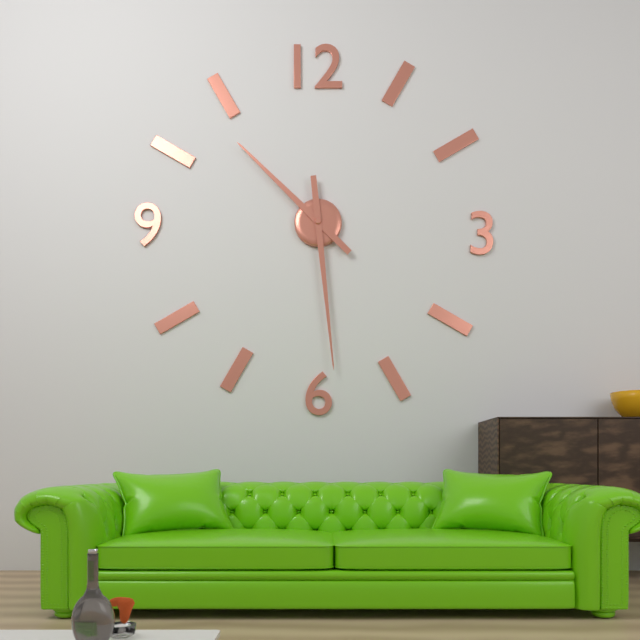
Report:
10,29
